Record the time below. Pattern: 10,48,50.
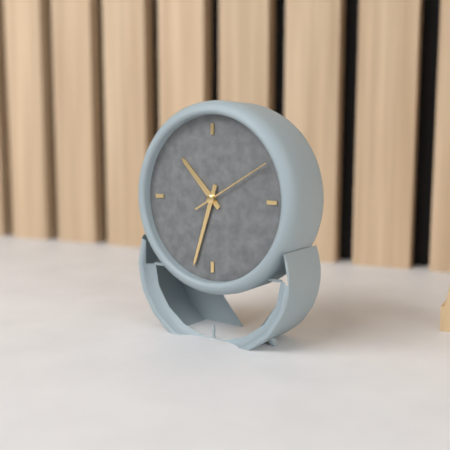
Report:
10,33,10
